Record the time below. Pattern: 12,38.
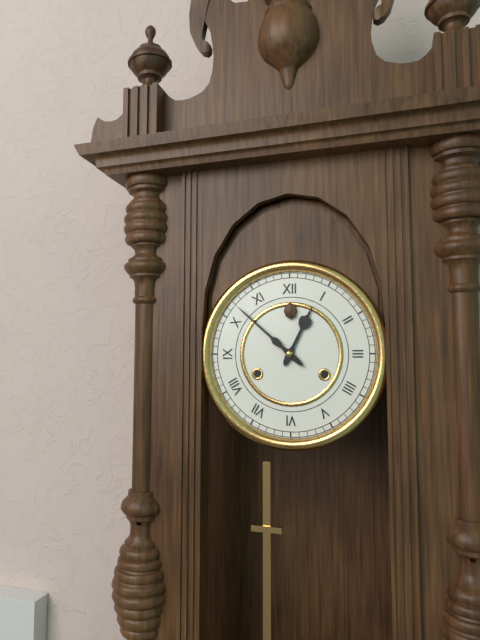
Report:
12,52
